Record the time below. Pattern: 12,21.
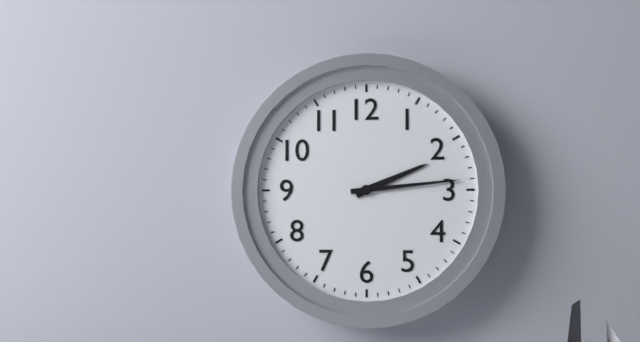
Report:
2,14
